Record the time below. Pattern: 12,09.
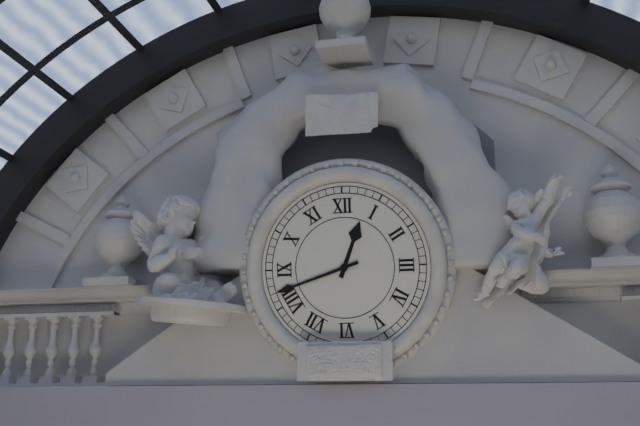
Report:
12,42
